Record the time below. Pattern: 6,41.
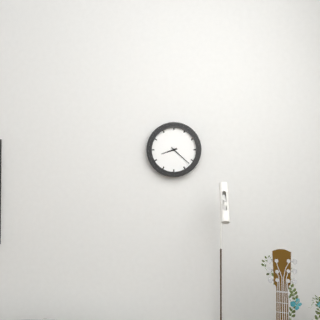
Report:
8,22
